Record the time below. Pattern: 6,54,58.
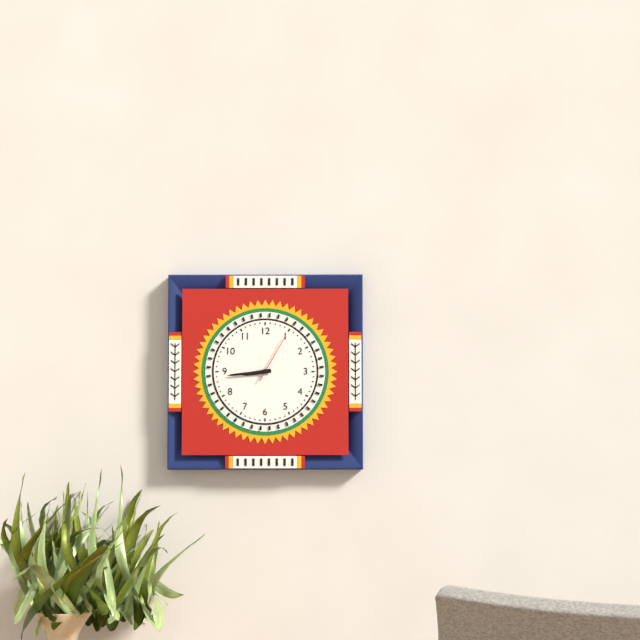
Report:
8,44,05
